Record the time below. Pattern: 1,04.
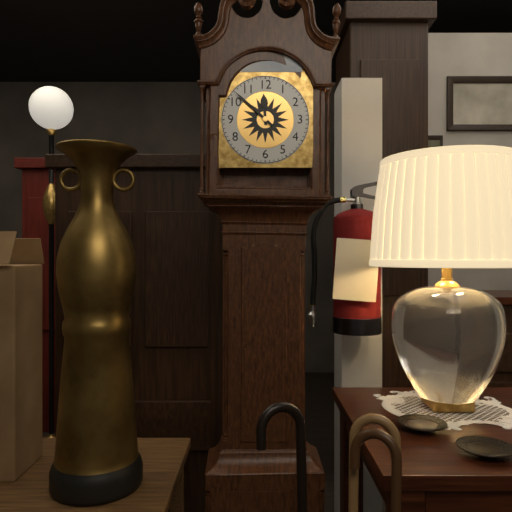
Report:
11,52
